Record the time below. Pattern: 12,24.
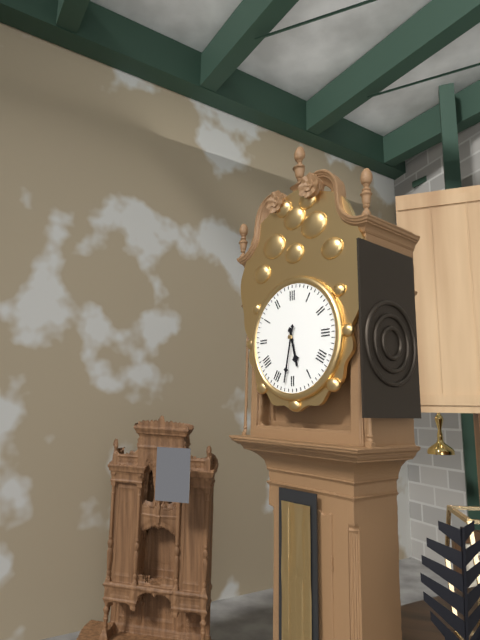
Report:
5,32
